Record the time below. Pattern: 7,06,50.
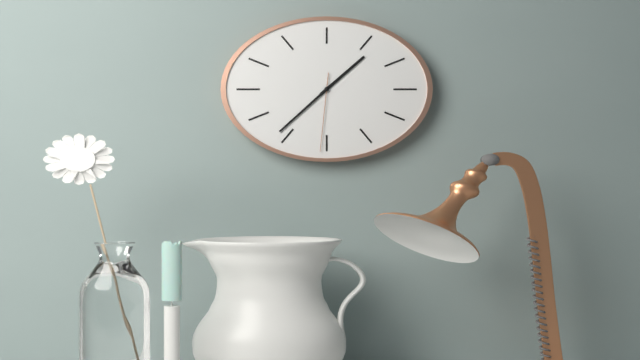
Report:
1,38,31
